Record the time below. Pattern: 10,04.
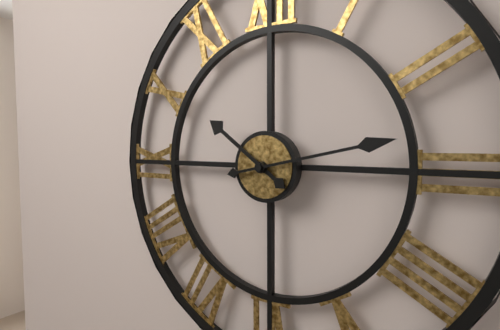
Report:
10,13
